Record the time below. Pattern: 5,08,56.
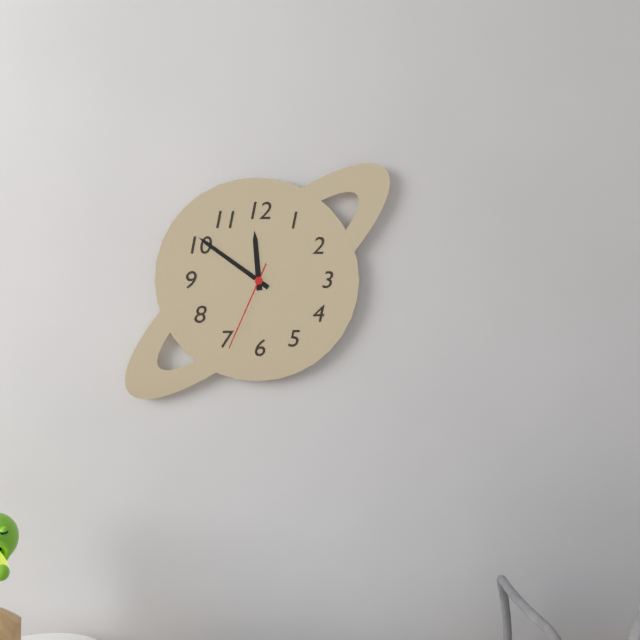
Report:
11,51,34
